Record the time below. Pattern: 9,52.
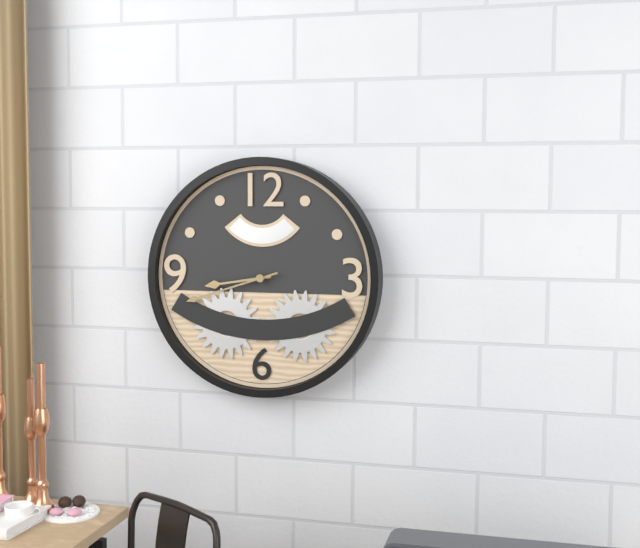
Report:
8,42
